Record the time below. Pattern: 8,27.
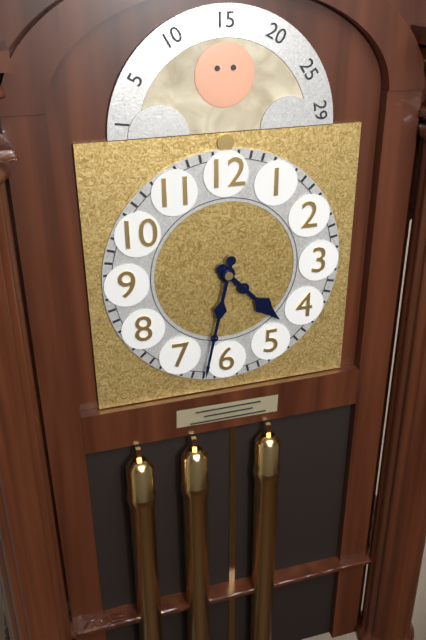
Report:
4,32
